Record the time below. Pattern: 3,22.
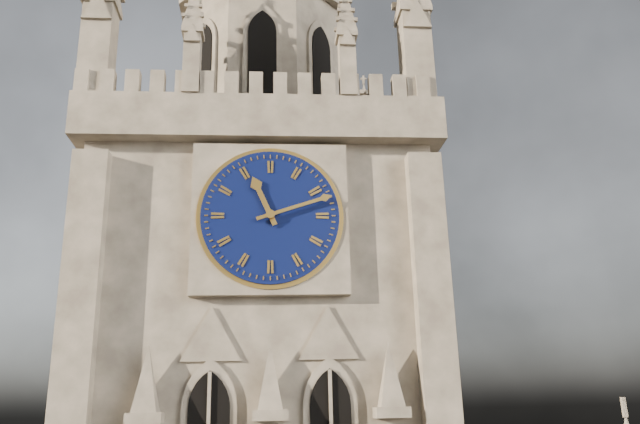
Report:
11,12
